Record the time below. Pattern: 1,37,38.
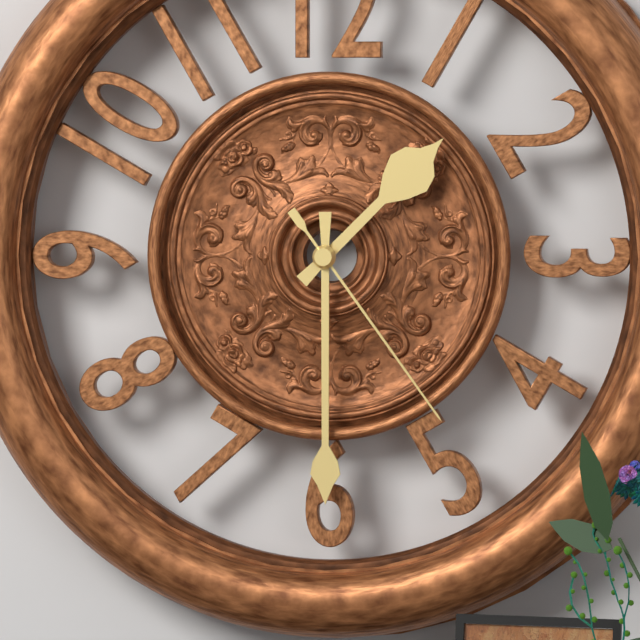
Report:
1,30,24
